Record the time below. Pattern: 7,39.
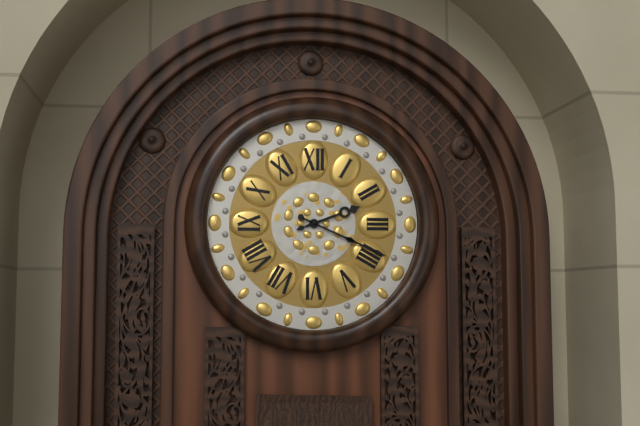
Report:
2,19
